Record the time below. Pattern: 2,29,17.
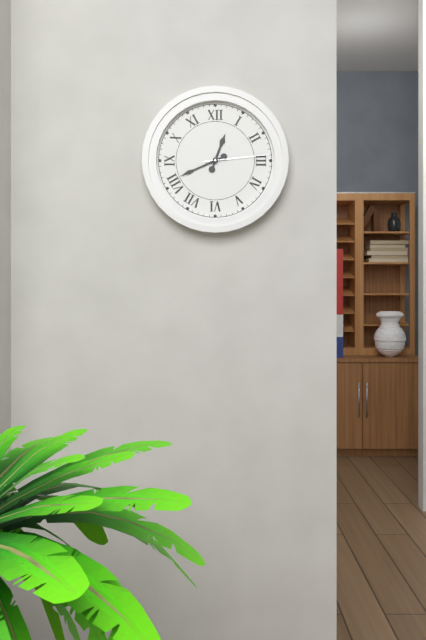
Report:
12,41,14
